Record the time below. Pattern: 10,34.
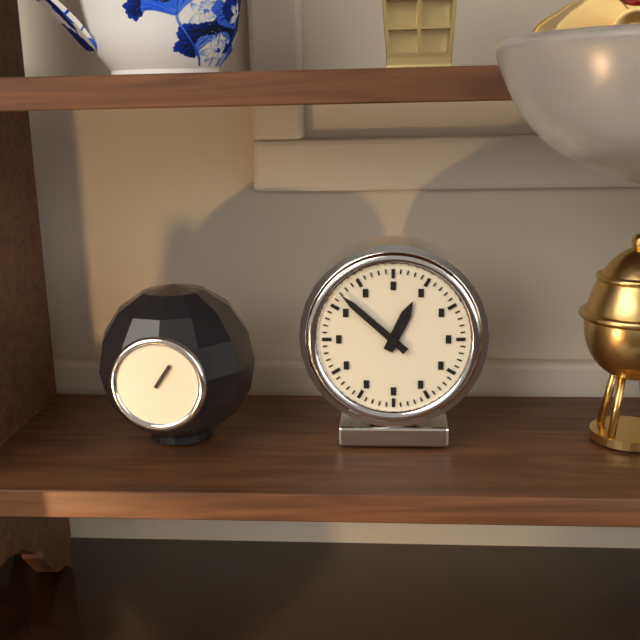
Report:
12,52
